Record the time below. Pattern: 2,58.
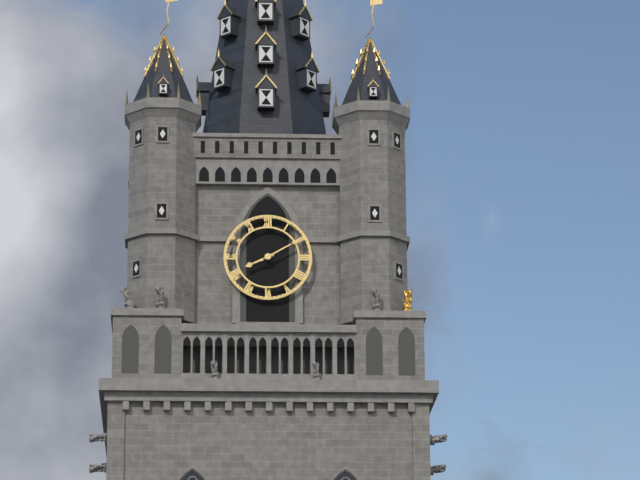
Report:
8,10
